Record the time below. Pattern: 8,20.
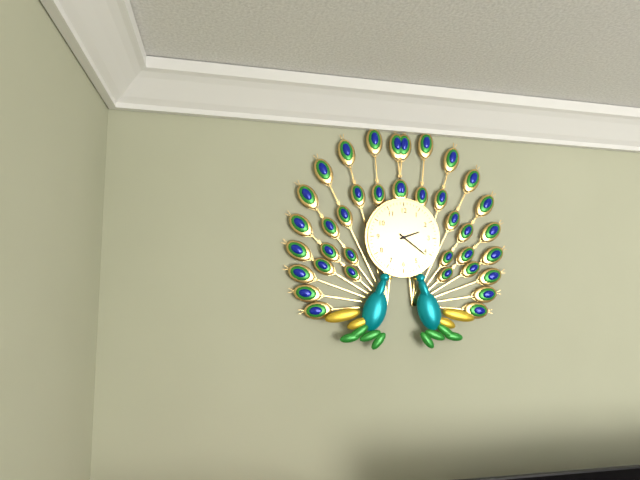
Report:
2,21
